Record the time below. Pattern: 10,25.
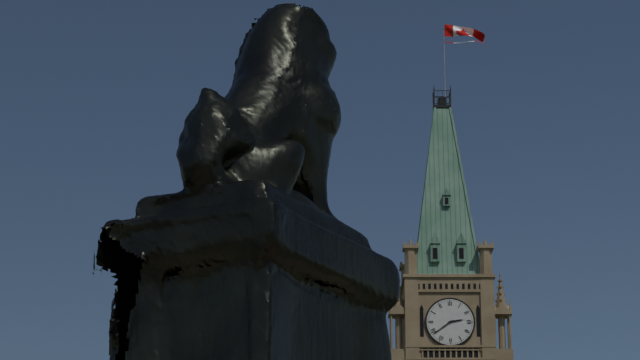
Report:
2,39
